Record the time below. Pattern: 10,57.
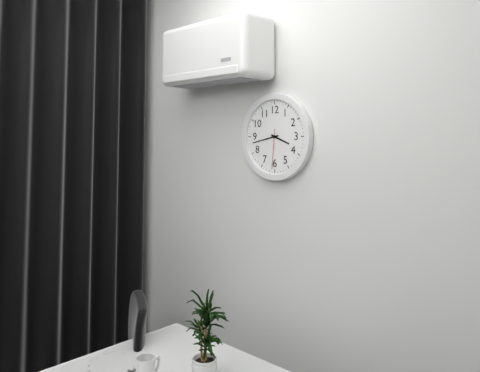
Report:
3,43
